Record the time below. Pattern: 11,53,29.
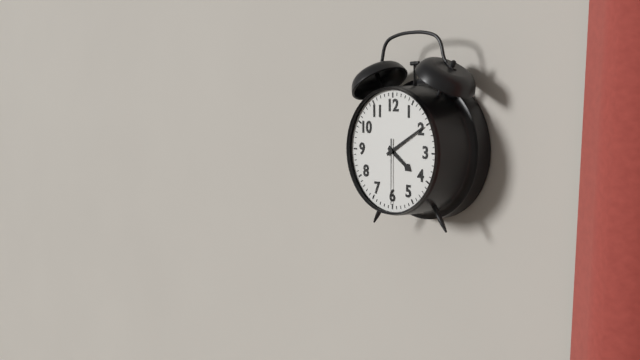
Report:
4,10,30
